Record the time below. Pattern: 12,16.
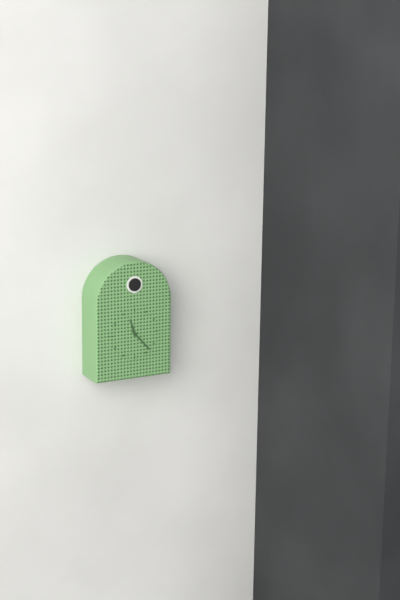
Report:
11,23
